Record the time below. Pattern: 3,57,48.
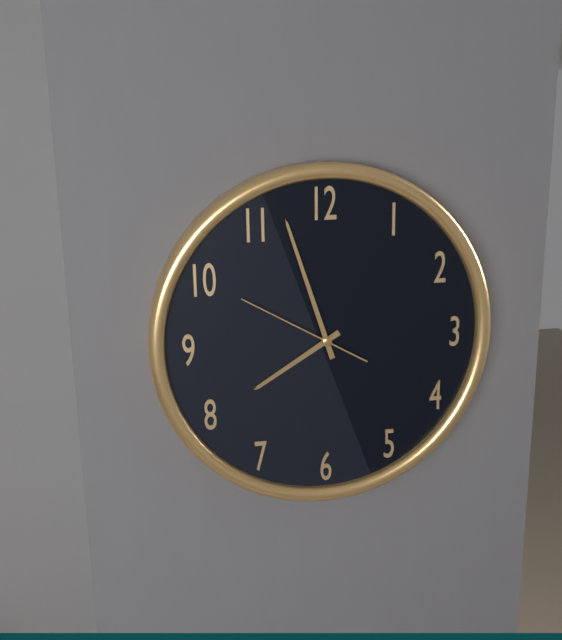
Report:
7,57,50
